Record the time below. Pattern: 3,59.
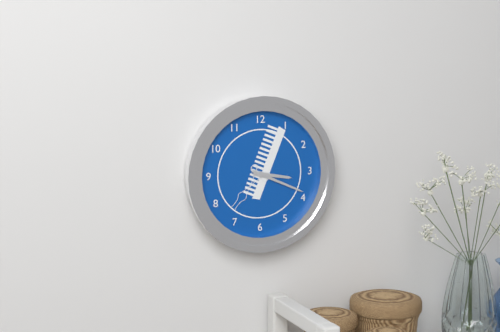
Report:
3,19
